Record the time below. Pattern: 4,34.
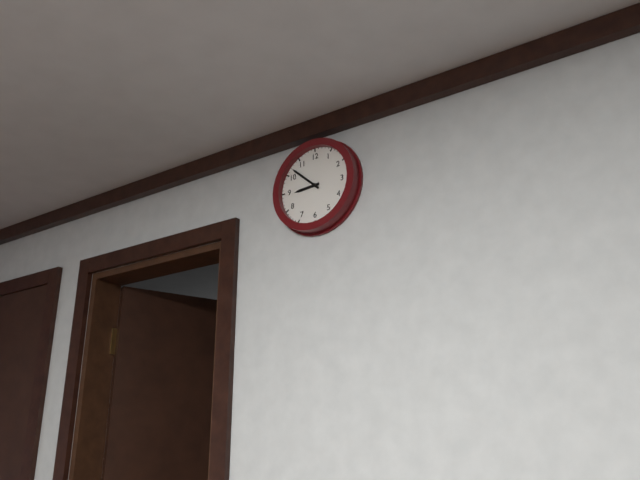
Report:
8,52
